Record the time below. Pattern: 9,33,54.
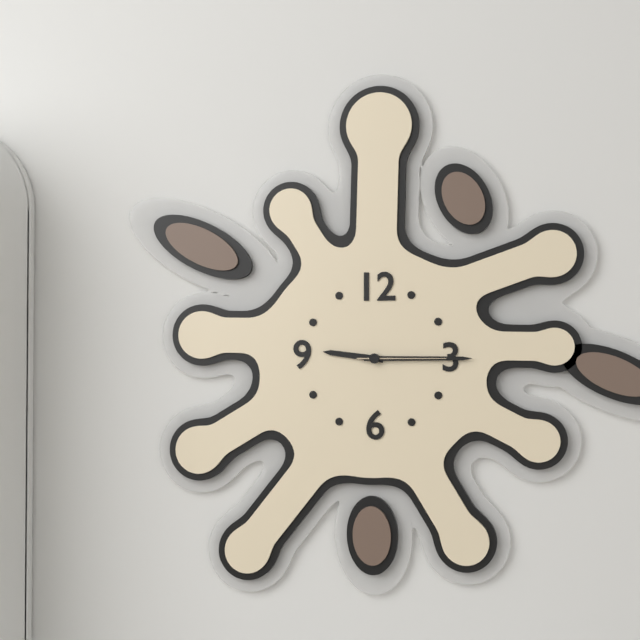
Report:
9,15,15
